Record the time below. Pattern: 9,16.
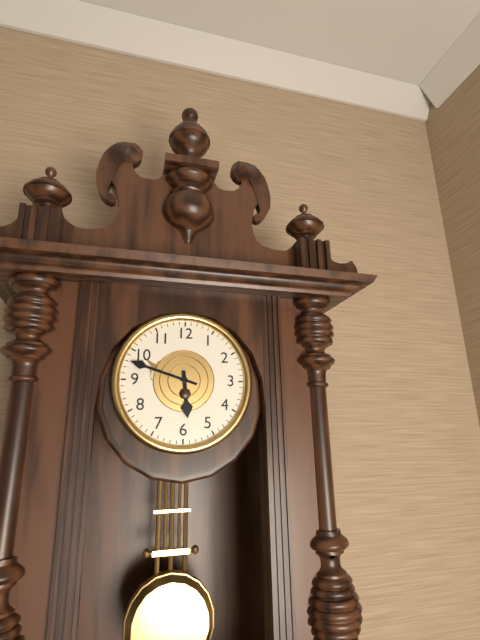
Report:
5,48
